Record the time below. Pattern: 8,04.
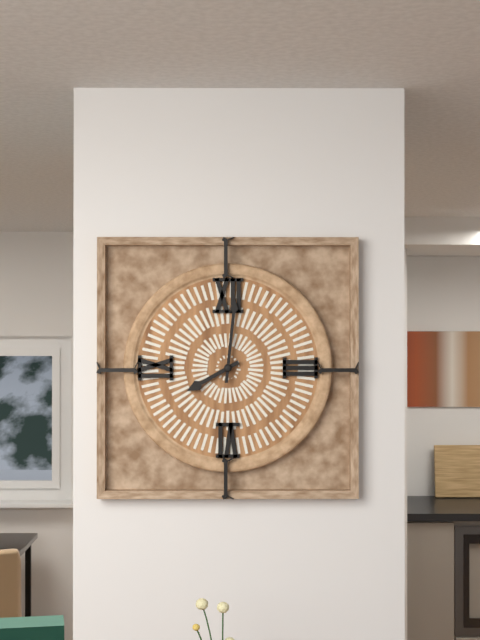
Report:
8,01
